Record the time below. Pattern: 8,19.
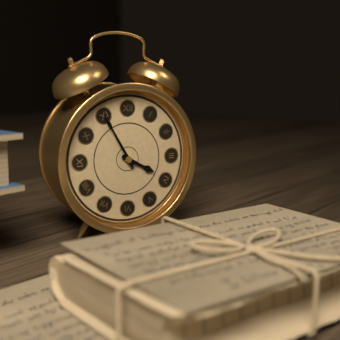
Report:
3,55
